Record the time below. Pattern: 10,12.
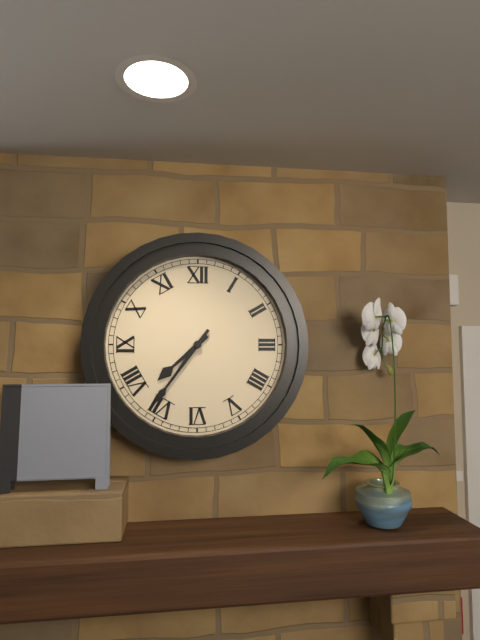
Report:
7,36
